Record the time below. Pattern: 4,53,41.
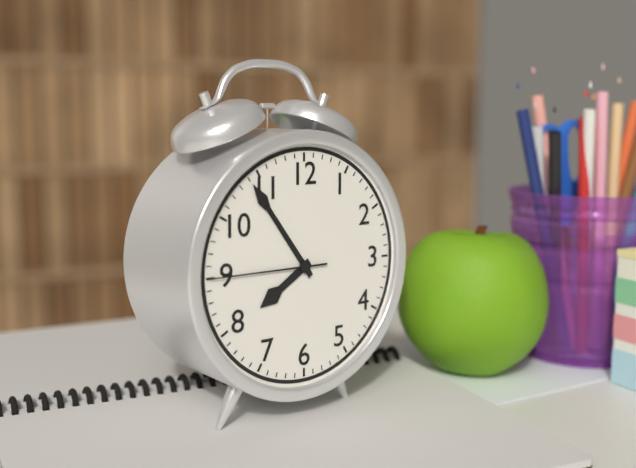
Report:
7,54,45
